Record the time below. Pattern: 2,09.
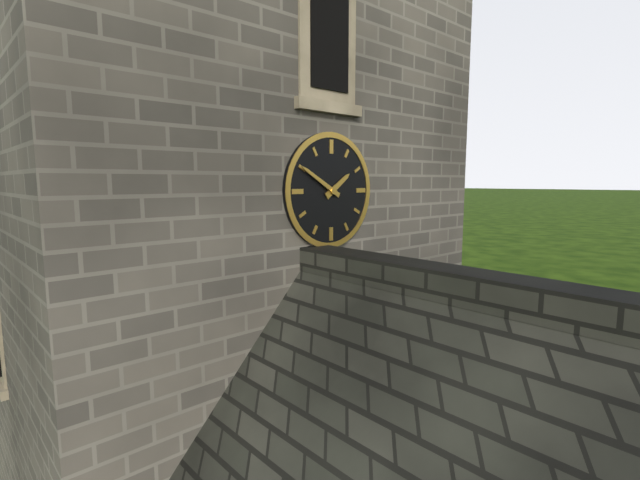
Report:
1,50
